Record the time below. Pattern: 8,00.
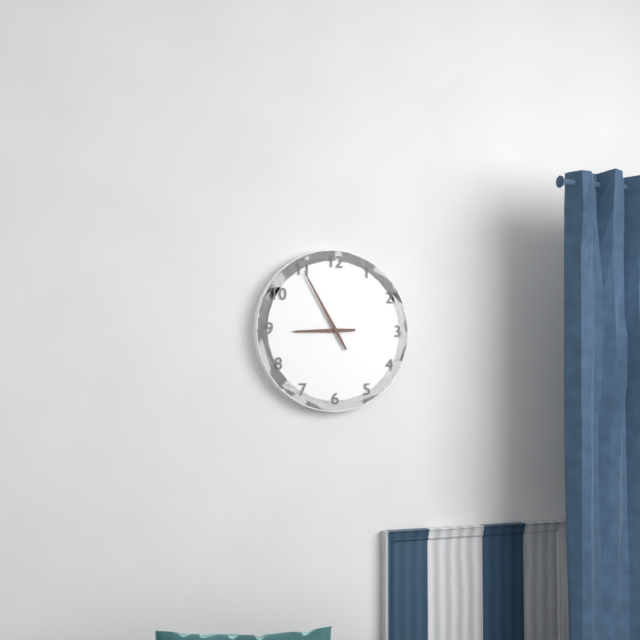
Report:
8,55
